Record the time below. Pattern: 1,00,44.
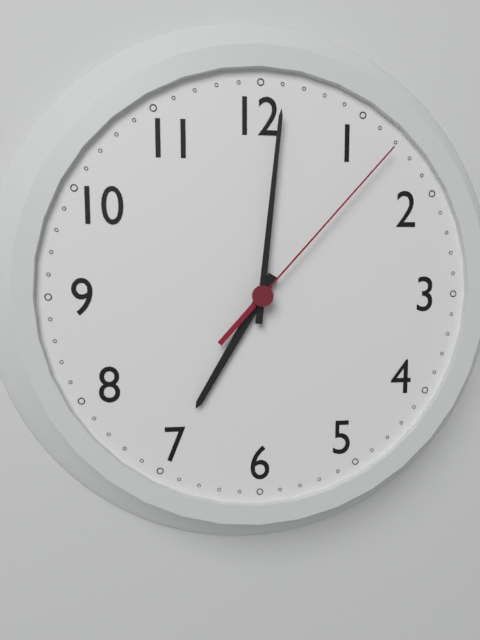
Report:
7,01,07
